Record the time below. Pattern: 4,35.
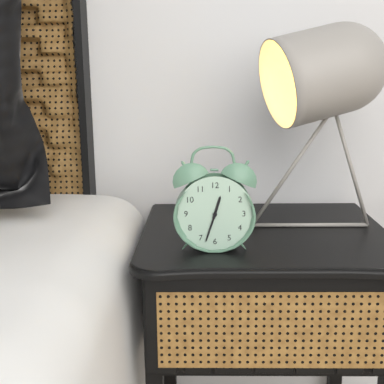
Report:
12,33
